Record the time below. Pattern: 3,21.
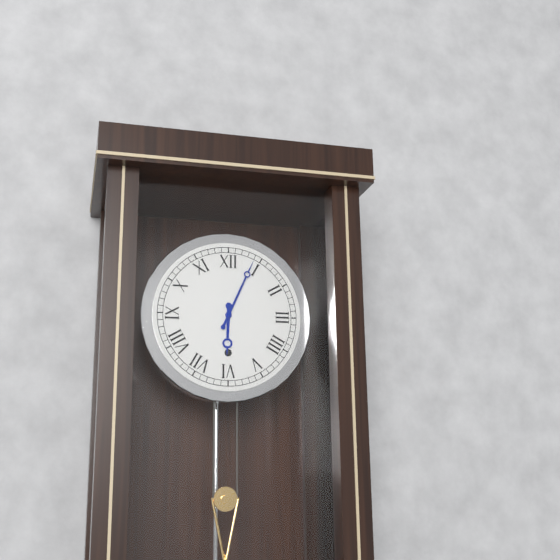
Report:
6,04
